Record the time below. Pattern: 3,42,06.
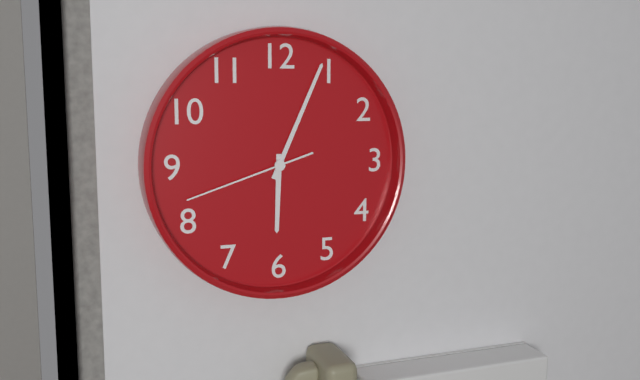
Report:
6,04,42
